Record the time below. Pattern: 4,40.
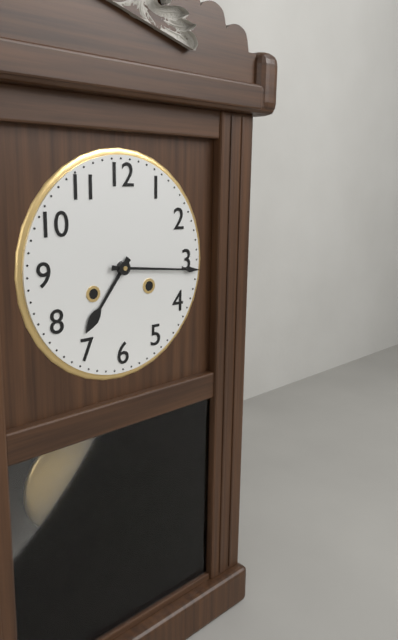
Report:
7,16
